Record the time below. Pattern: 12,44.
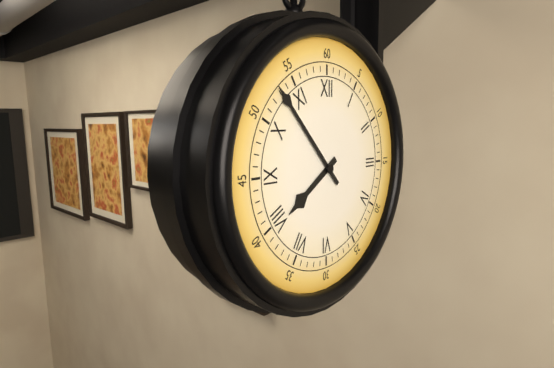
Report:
7,53
